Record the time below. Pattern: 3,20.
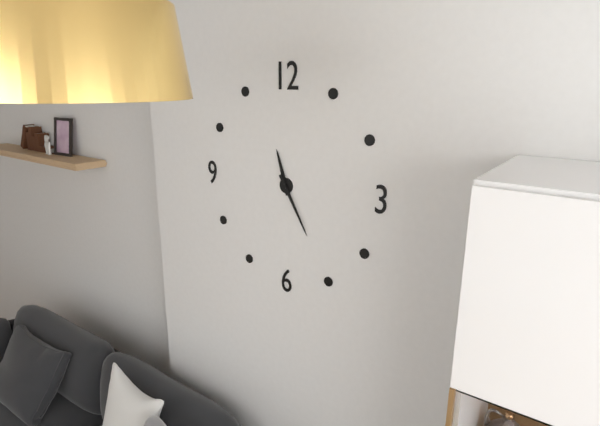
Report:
11,25
